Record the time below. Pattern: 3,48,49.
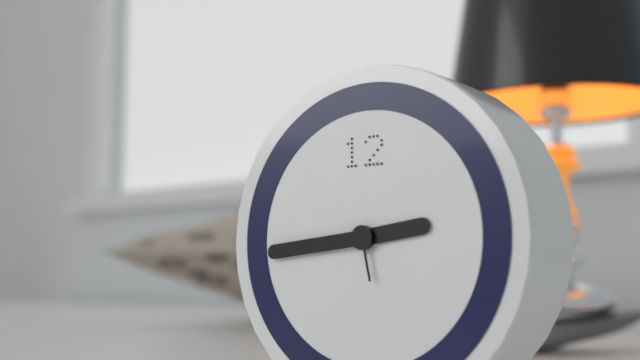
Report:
2,44,28
